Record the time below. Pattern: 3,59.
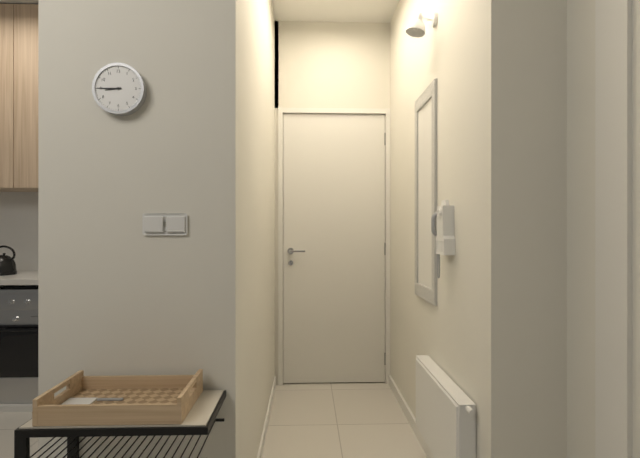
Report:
8,45
